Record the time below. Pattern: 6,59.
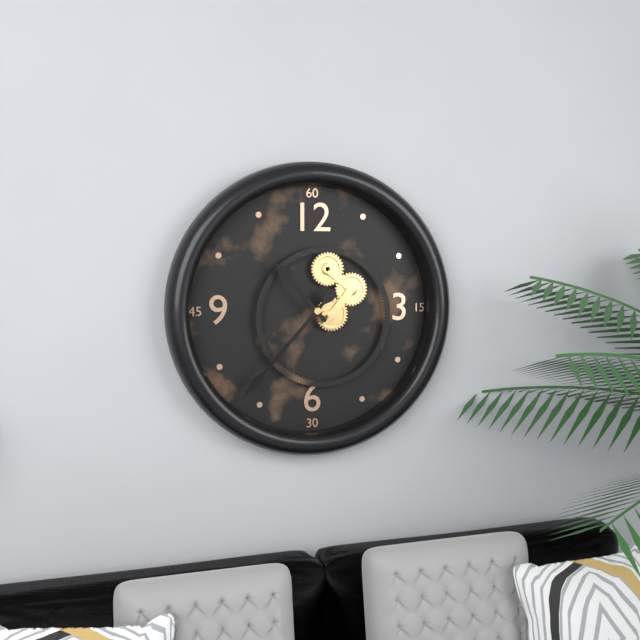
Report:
10,37
